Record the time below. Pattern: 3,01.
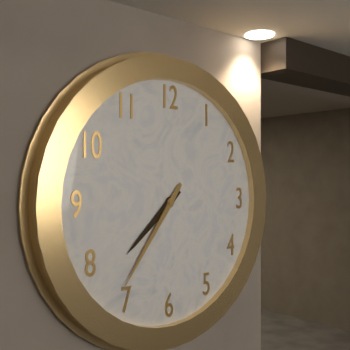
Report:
7,36
